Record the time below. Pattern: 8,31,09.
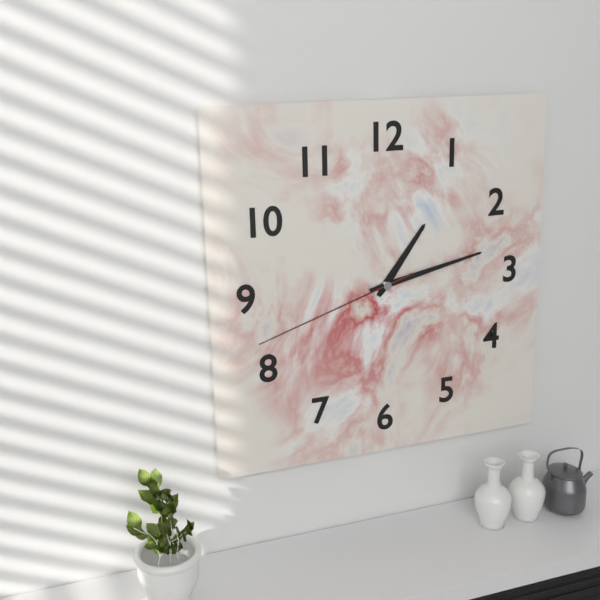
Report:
1,13,42
